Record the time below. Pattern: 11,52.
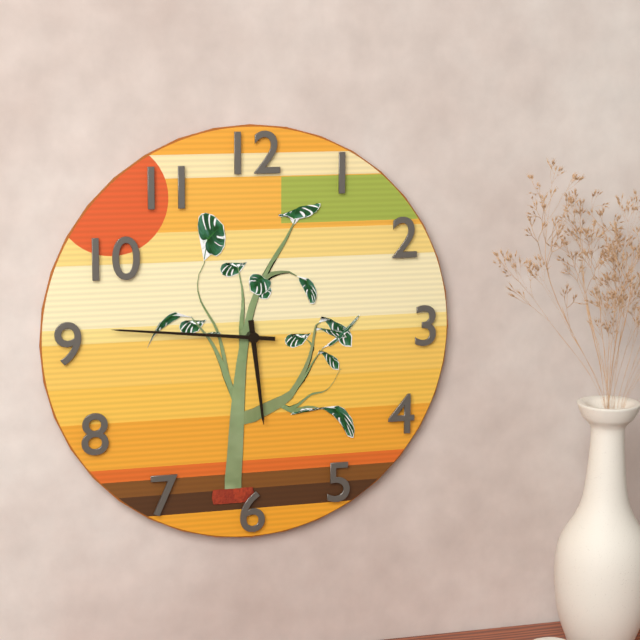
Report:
5,46
